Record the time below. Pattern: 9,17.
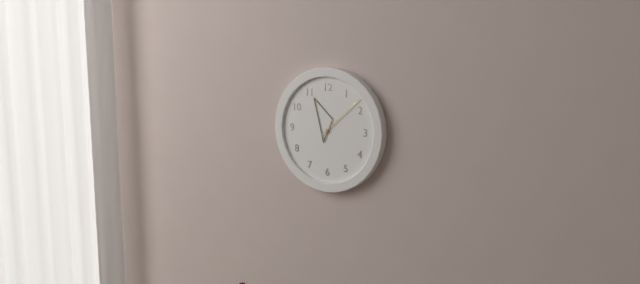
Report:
11,08
